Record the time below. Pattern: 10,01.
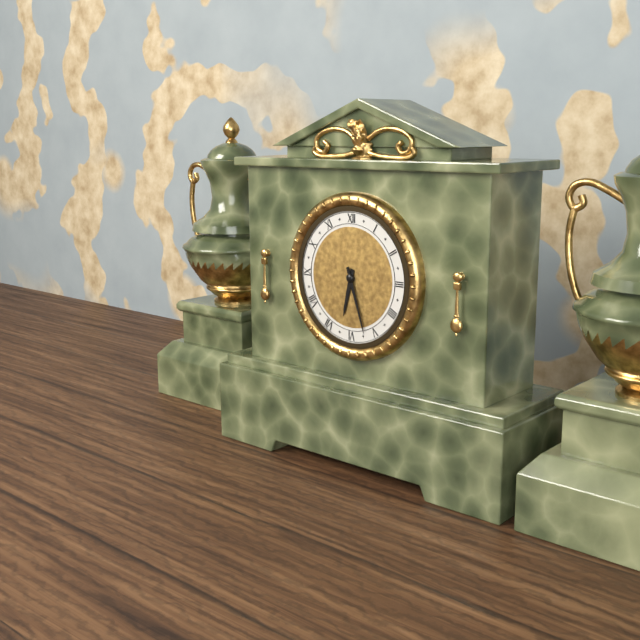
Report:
6,27
